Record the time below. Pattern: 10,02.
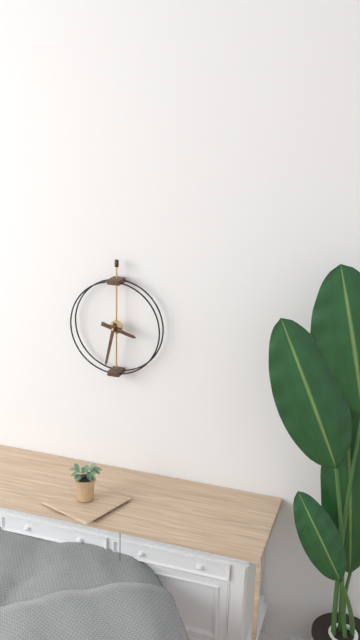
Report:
3,32
